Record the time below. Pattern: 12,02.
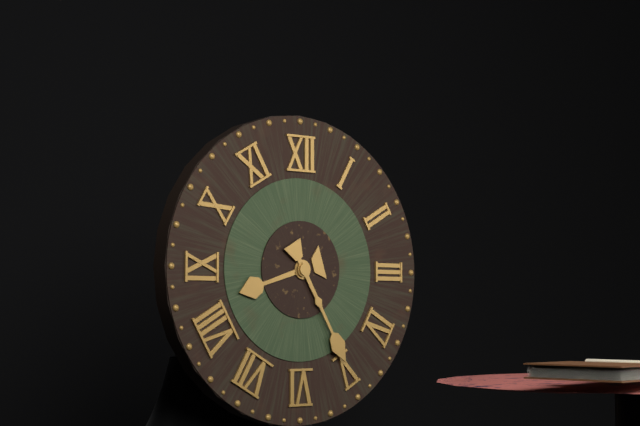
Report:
8,25
